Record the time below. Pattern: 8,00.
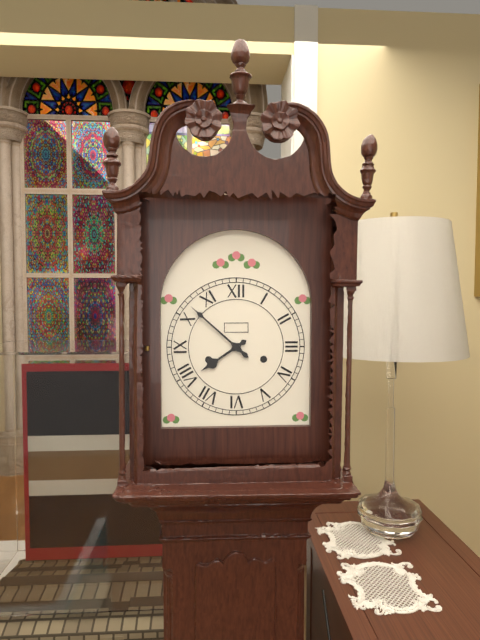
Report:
7,52
